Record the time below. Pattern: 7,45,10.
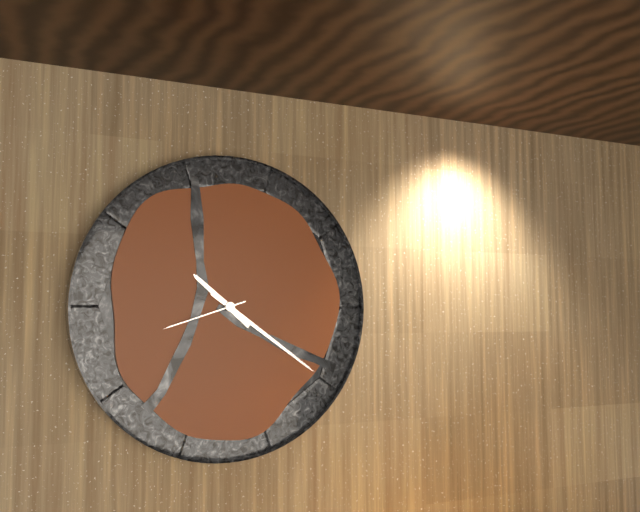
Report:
10,21,42
